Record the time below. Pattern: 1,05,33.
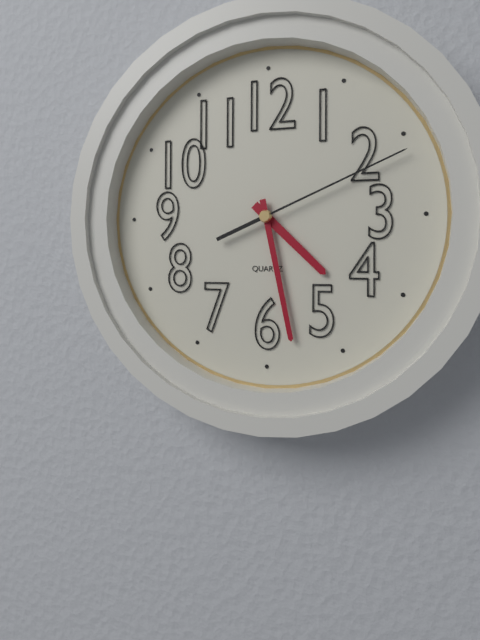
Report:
4,28,11
